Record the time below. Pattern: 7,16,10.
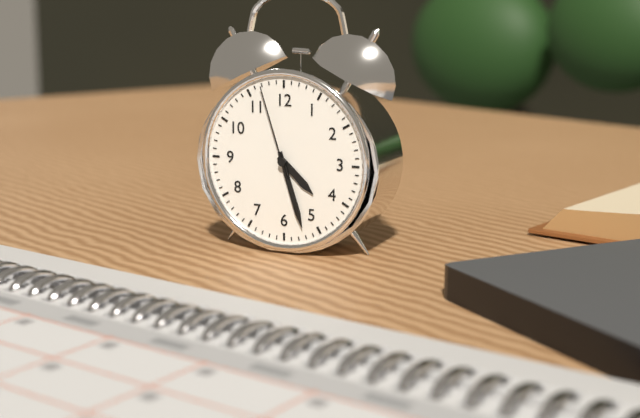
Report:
4,27,57
